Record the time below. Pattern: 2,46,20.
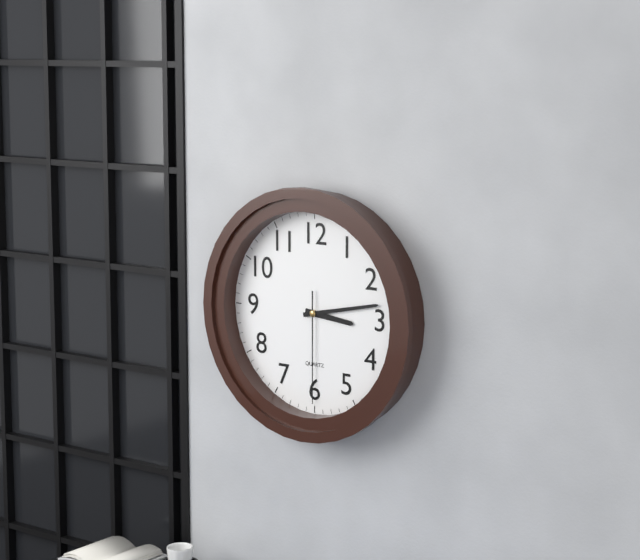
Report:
3,13,30
